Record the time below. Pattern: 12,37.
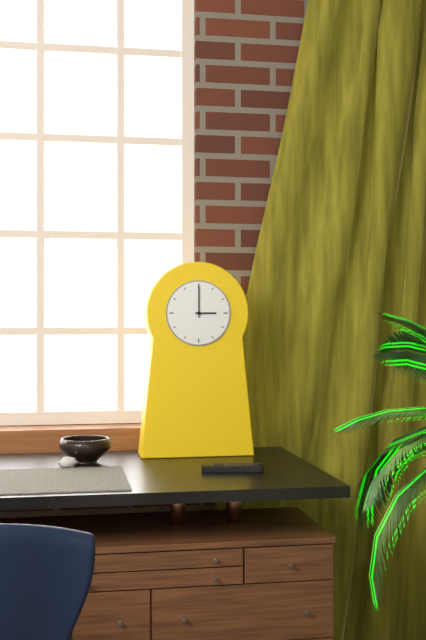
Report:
3,00
